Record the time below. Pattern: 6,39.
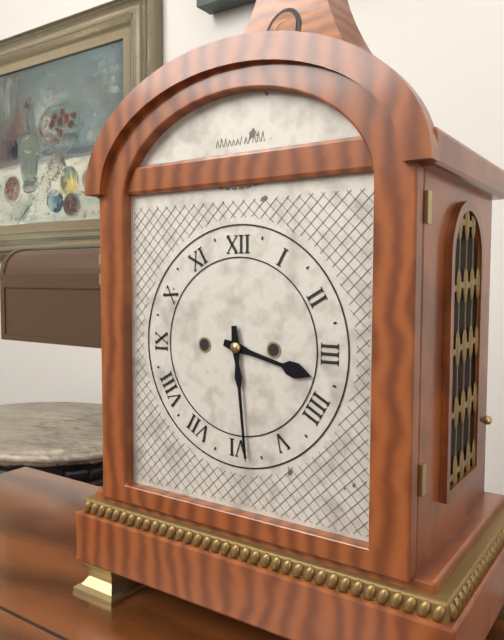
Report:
3,29
